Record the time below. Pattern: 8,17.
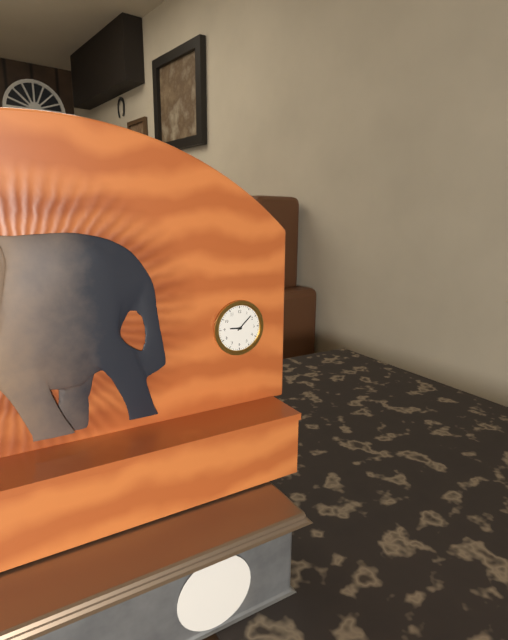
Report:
9,08
